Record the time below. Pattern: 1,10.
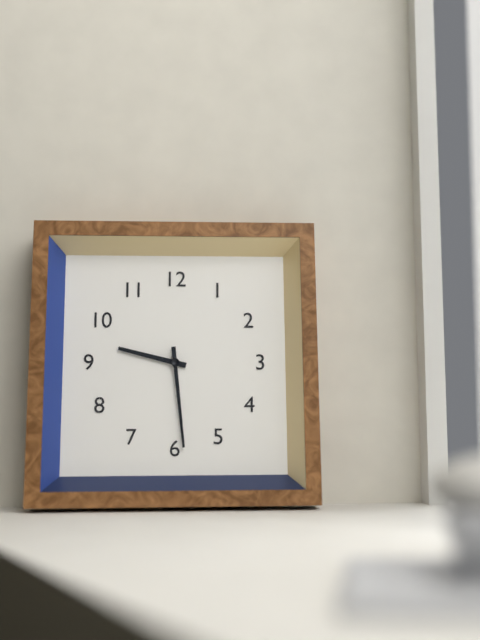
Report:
9,29
